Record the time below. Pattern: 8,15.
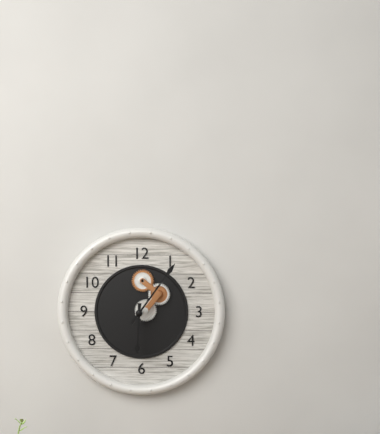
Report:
6,06
